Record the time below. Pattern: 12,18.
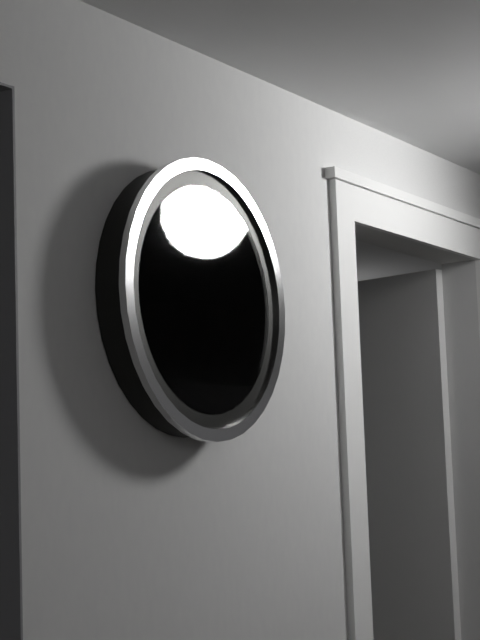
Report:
8,15
